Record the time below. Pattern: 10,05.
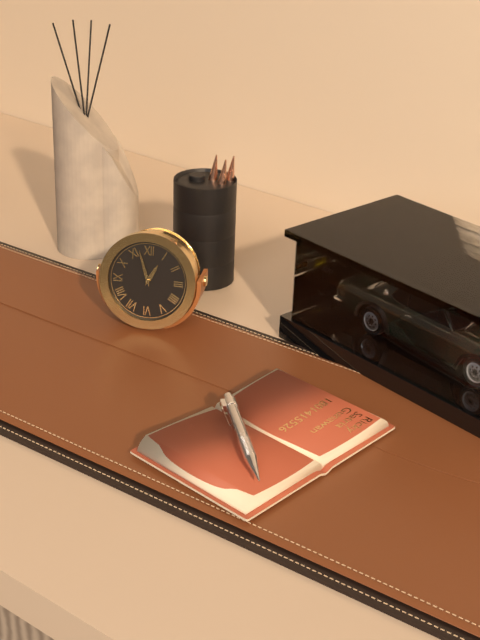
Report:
12,57
